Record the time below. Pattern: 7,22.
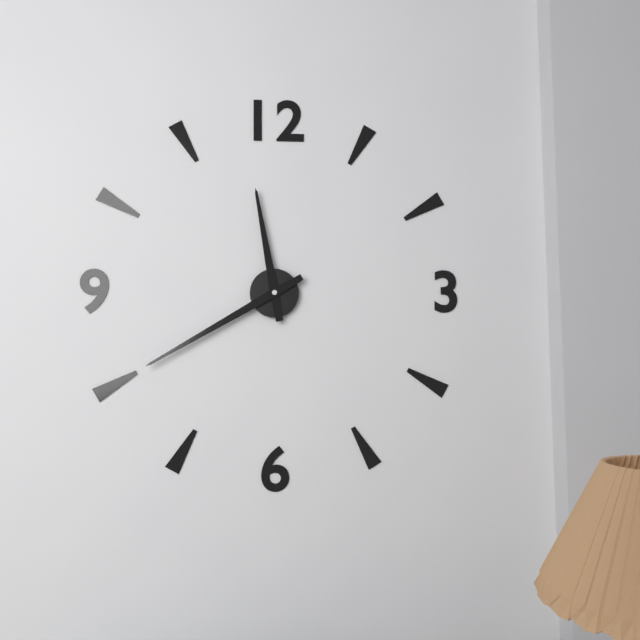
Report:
11,40
